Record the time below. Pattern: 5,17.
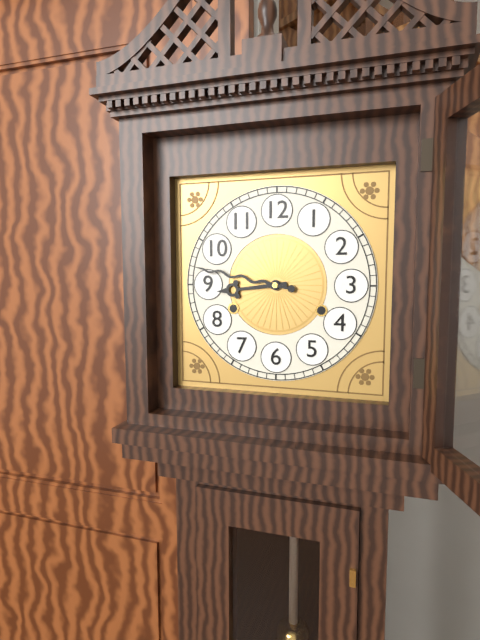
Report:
8,47
